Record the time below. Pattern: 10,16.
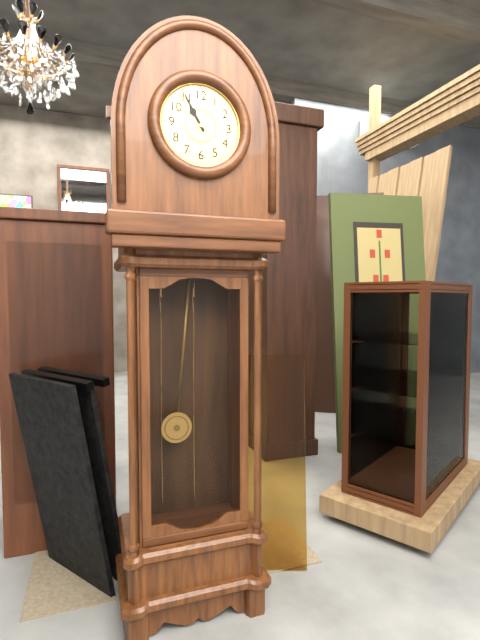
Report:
10,55
